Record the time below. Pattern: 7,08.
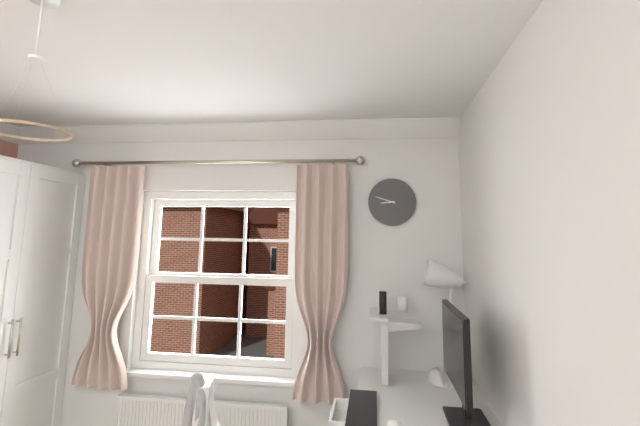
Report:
8,48
